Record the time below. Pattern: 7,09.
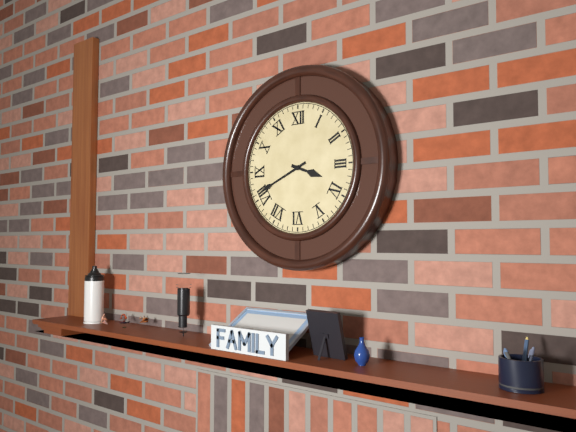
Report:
3,41
